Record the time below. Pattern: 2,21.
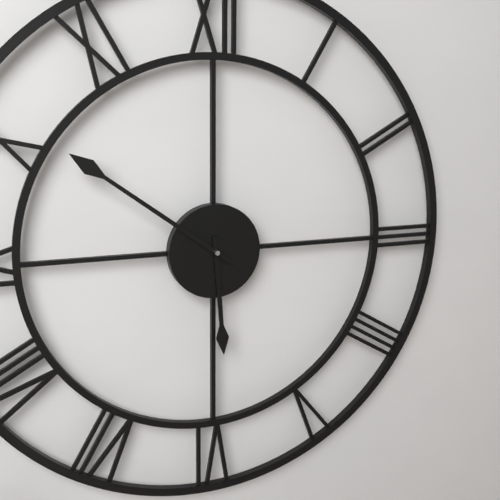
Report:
5,51
